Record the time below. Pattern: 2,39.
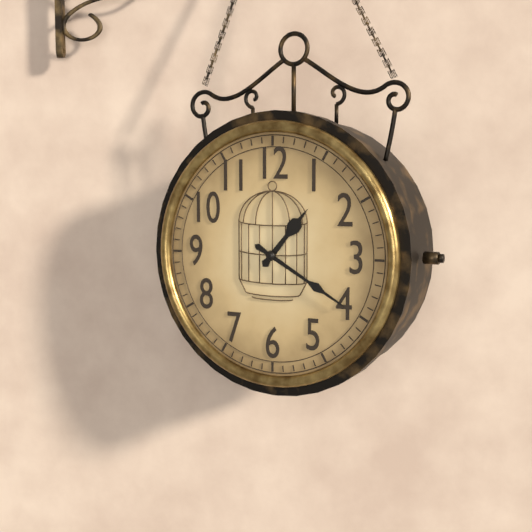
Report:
1,20
